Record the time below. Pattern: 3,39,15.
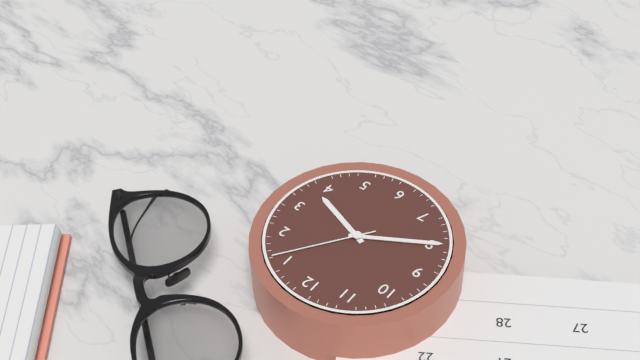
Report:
3,40,06
